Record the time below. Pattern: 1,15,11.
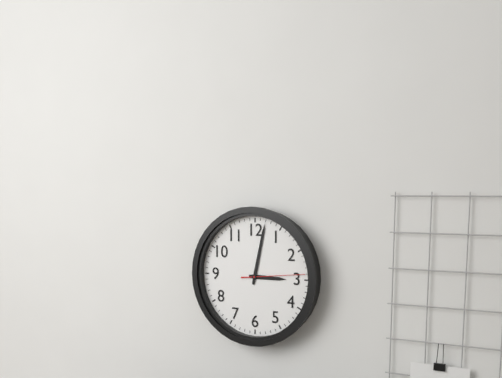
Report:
3,02,14
